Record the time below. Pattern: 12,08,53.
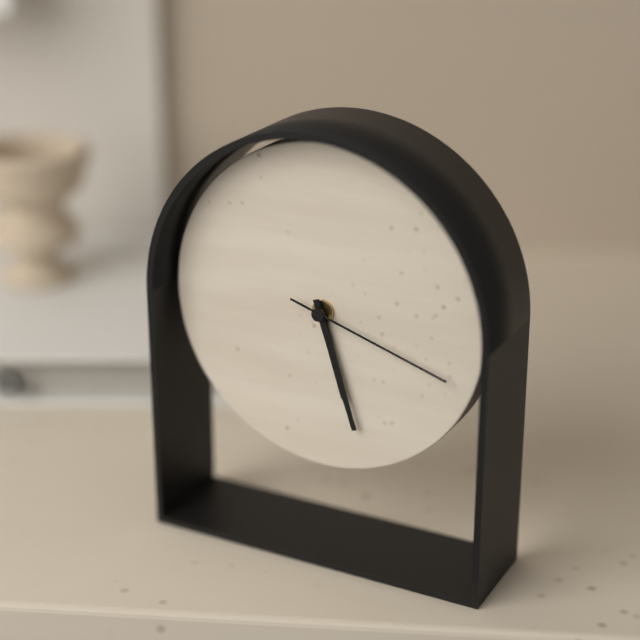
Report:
5,27,18
